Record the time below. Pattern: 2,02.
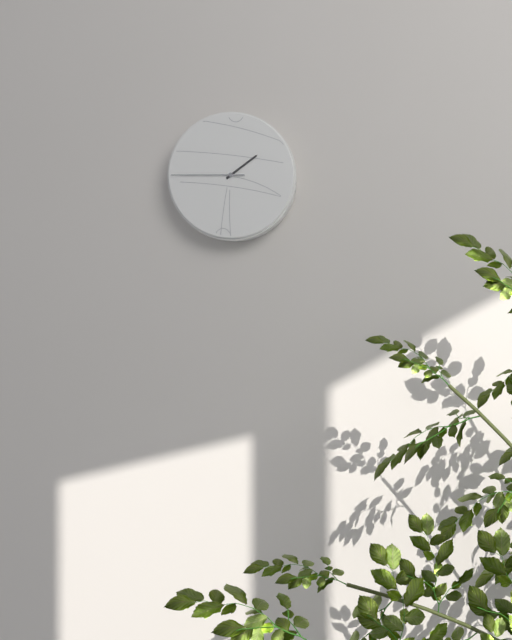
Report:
1,45
